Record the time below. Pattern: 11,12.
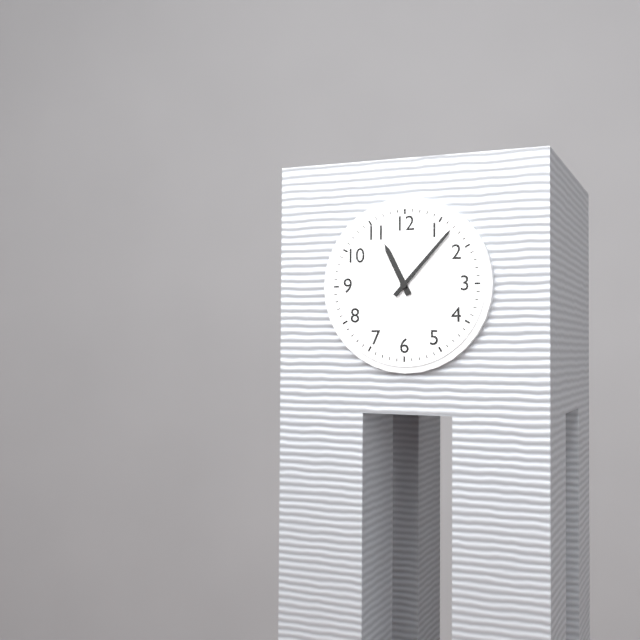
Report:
11,07
